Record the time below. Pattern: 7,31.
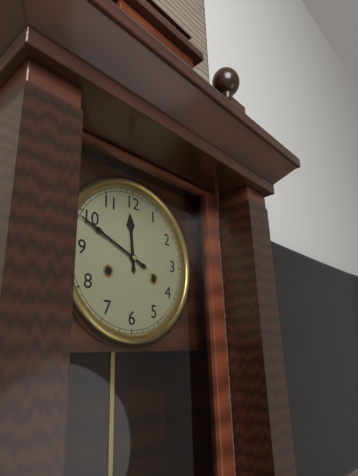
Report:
11,49
